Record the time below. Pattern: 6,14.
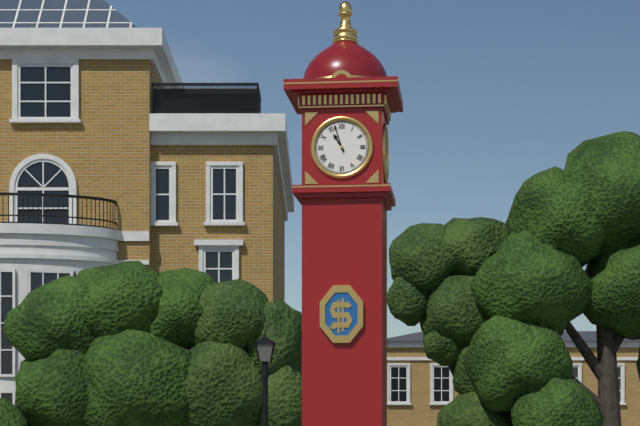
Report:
10,57
